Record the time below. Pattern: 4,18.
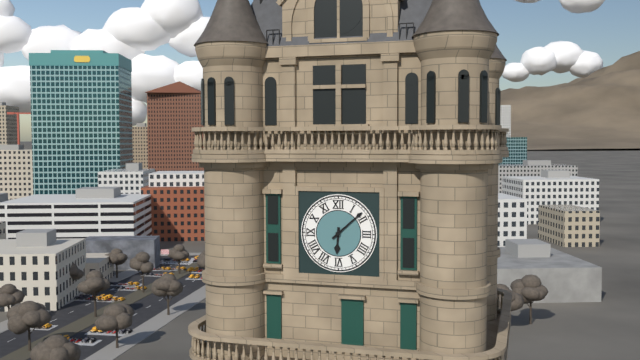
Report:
6,08
